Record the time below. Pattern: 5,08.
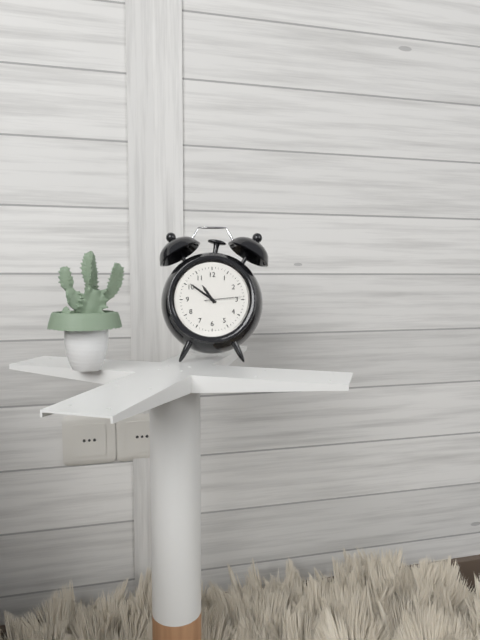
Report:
10,51
